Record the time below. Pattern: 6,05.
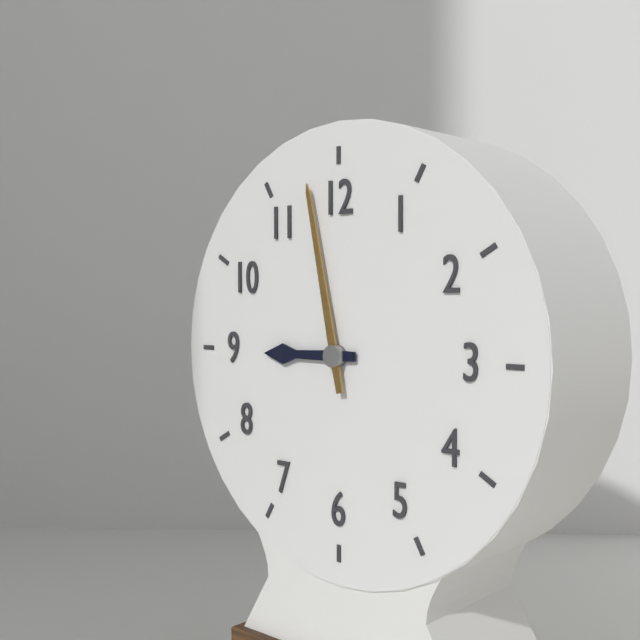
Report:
8,58
